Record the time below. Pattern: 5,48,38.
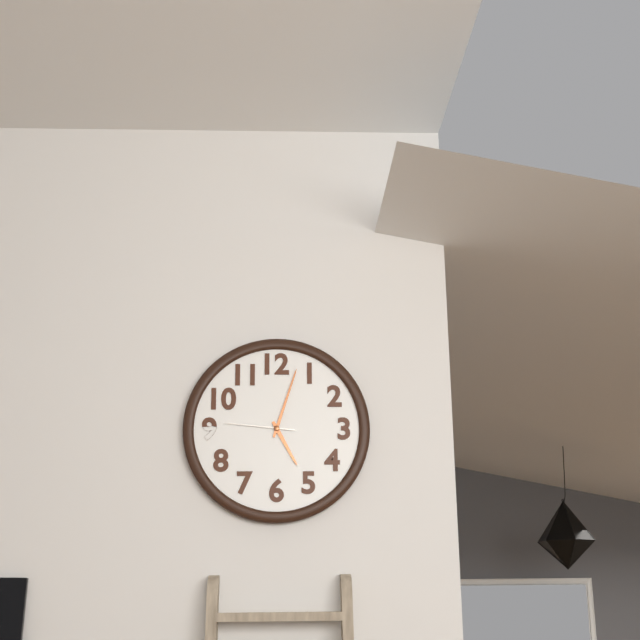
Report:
5,03,46
